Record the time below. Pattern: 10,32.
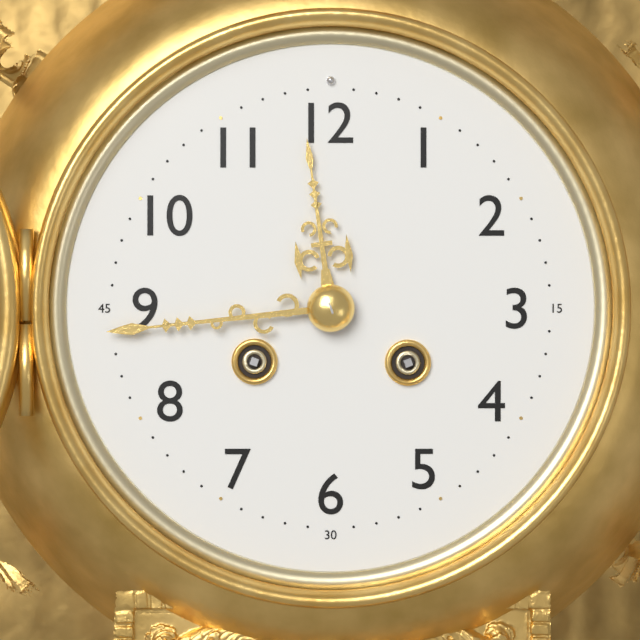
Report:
11,44
